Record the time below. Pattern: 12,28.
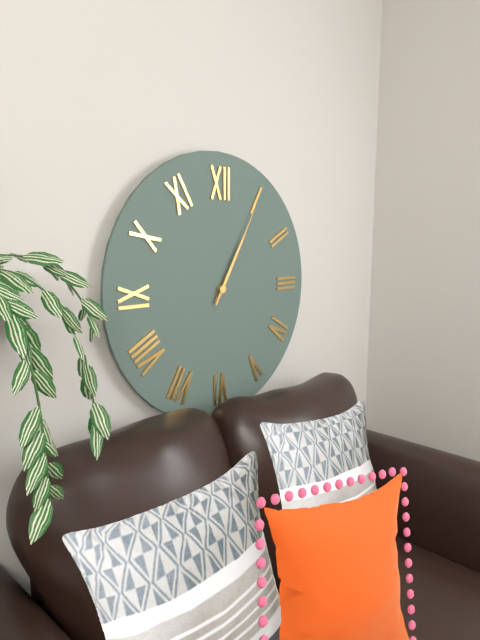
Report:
1,05
